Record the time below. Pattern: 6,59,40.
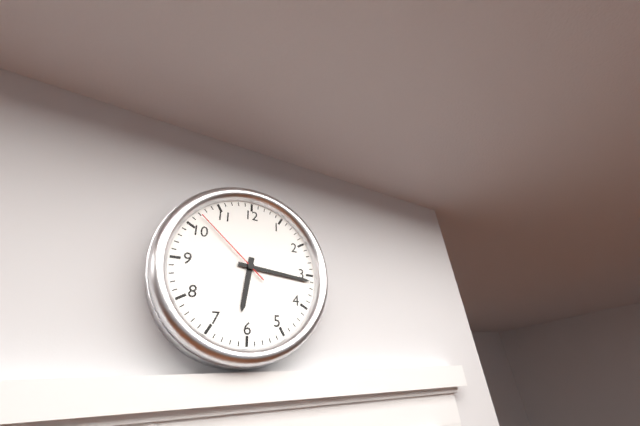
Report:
6,16,52
